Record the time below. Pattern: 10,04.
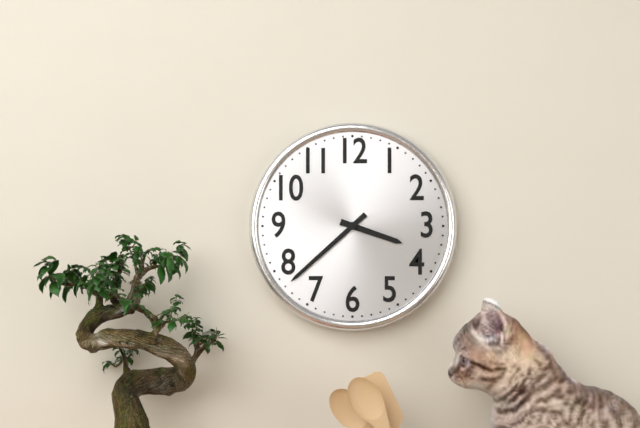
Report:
3,38
